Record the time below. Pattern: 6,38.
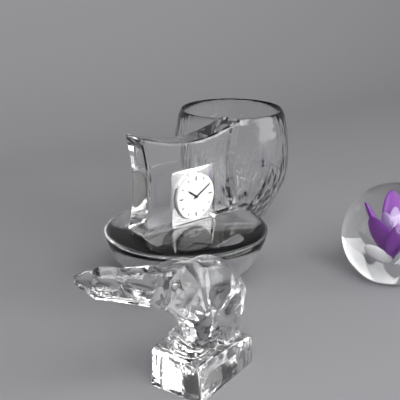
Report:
10,10
